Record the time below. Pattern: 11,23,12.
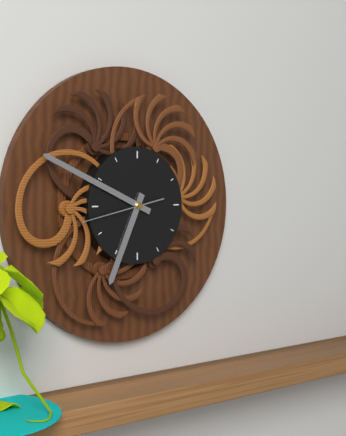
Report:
6,49,43
